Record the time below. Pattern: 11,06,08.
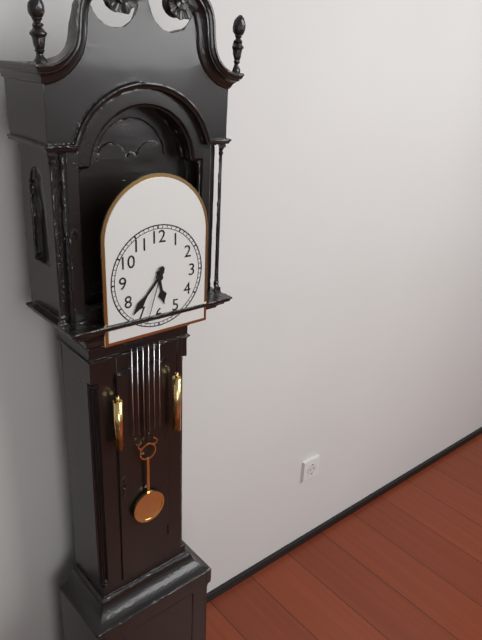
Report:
5,37,33
